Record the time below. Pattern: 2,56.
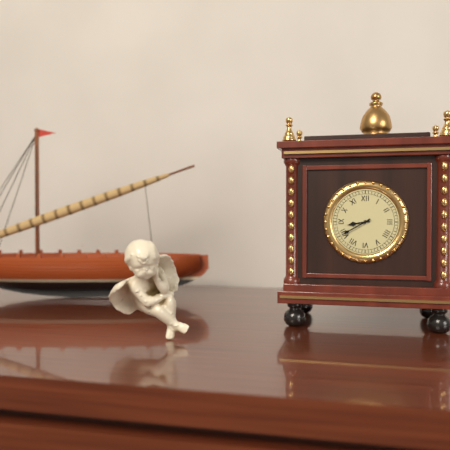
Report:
8,40
